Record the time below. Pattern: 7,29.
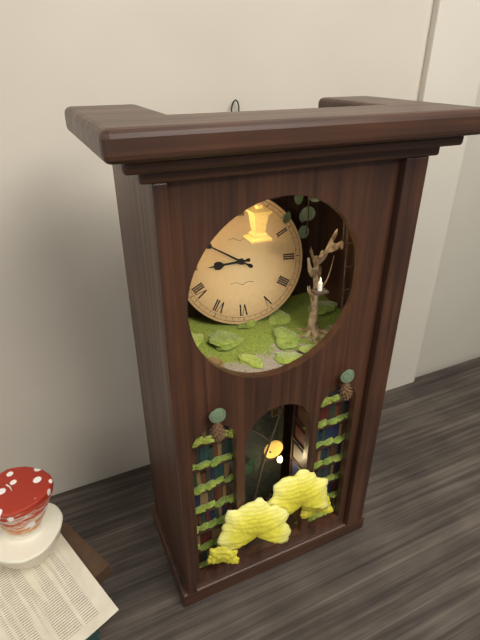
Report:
8,50
